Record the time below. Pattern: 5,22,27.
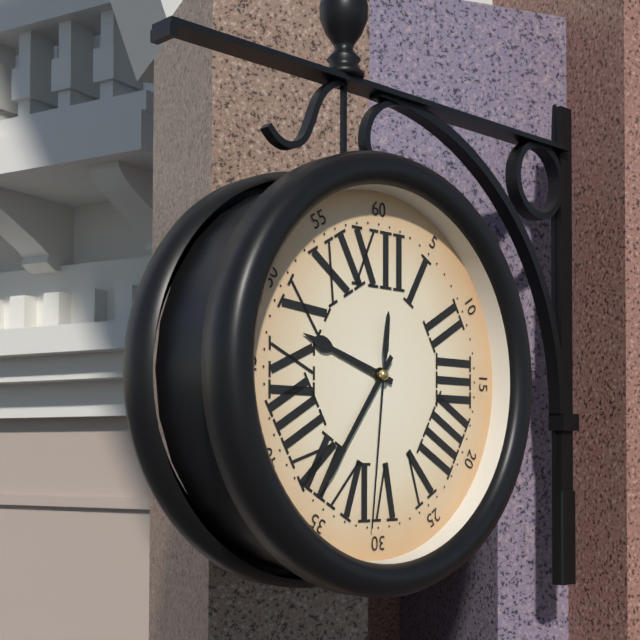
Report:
9,36,31
